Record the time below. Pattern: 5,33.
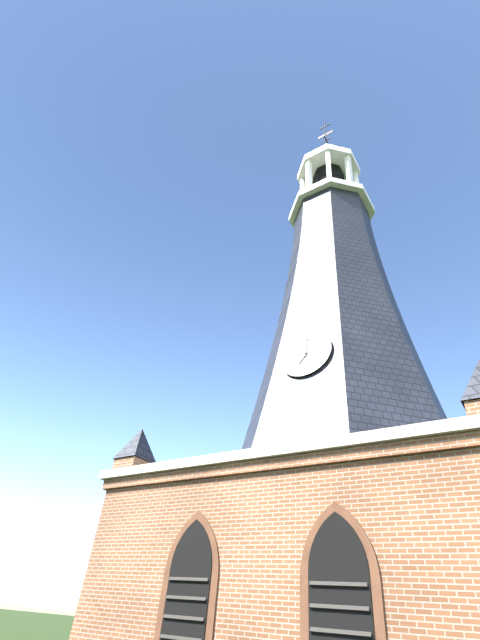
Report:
7,00
